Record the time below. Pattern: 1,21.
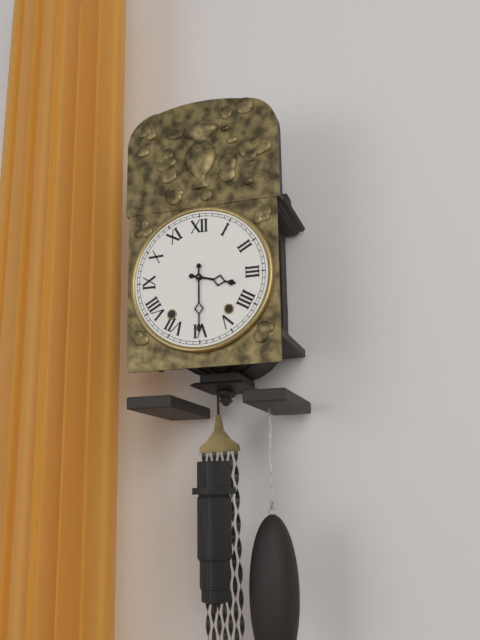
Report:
3,30
